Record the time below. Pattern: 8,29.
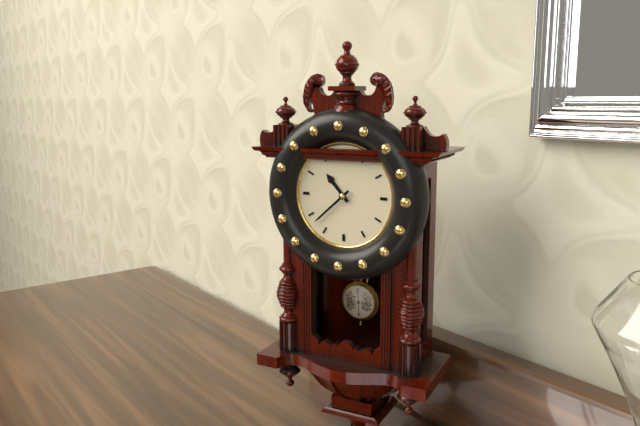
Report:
10,38
